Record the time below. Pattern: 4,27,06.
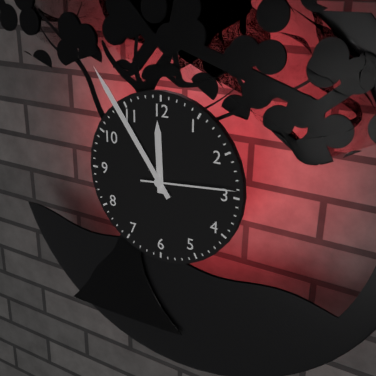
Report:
11,54,14
